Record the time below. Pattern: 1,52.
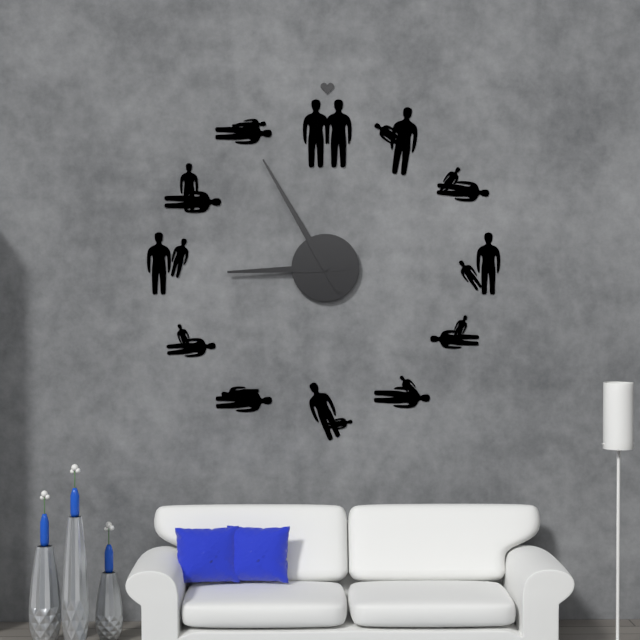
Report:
8,55
